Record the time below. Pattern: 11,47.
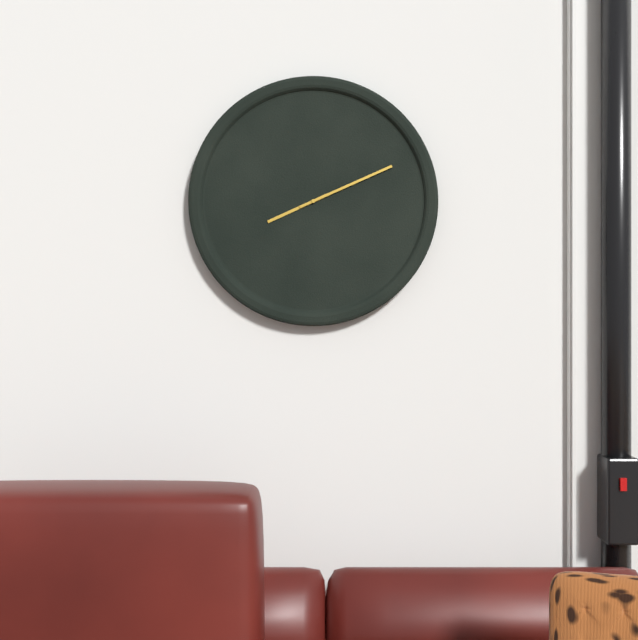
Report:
8,11
